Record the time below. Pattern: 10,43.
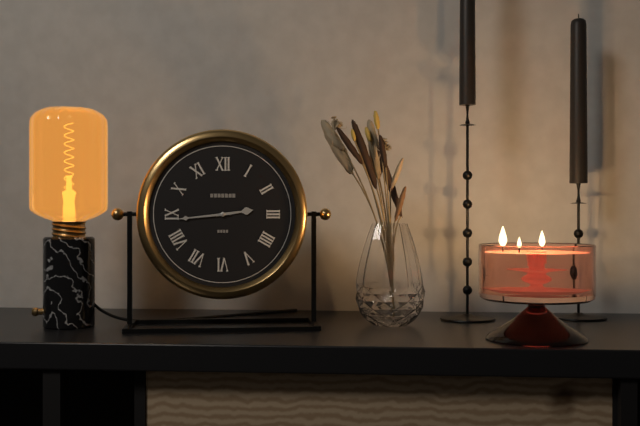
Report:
2,44
